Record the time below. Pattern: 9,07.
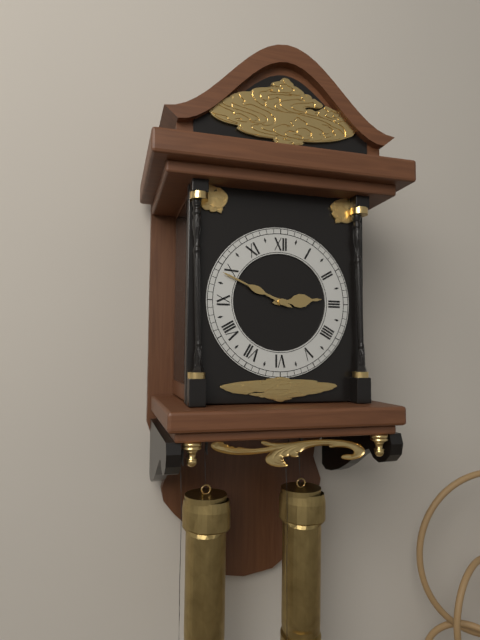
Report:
2,49
